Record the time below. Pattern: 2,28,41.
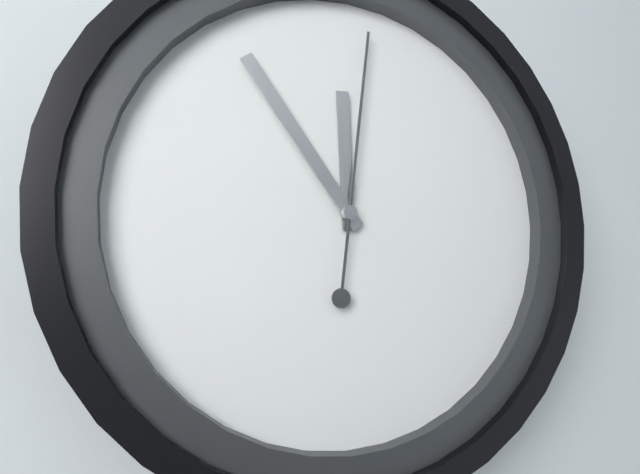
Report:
11,54,01
